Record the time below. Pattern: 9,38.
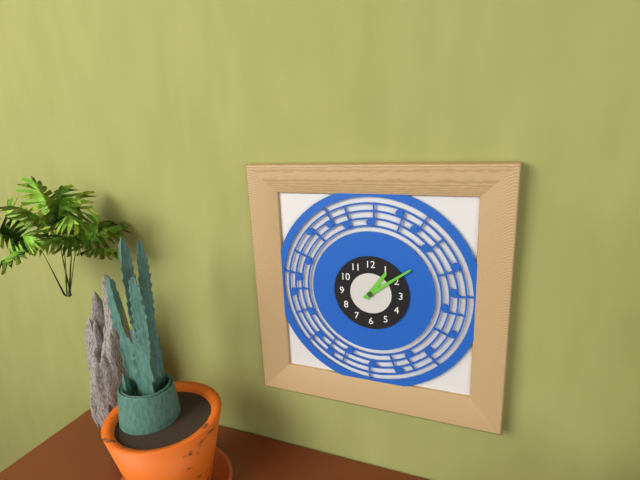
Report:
1,09
